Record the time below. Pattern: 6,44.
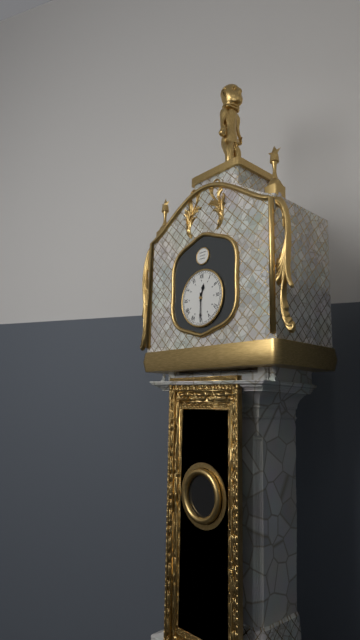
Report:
12,30
